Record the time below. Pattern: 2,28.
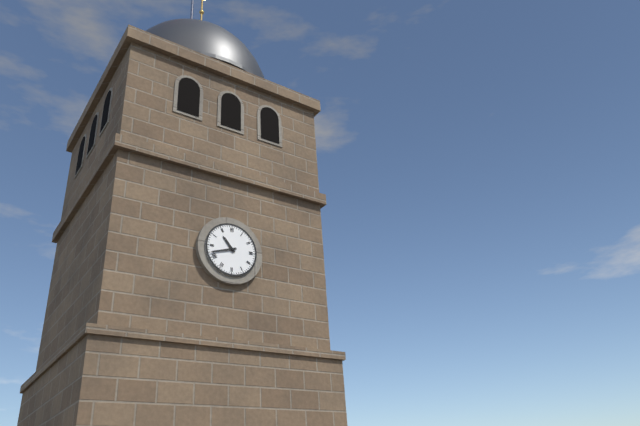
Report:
10,42
